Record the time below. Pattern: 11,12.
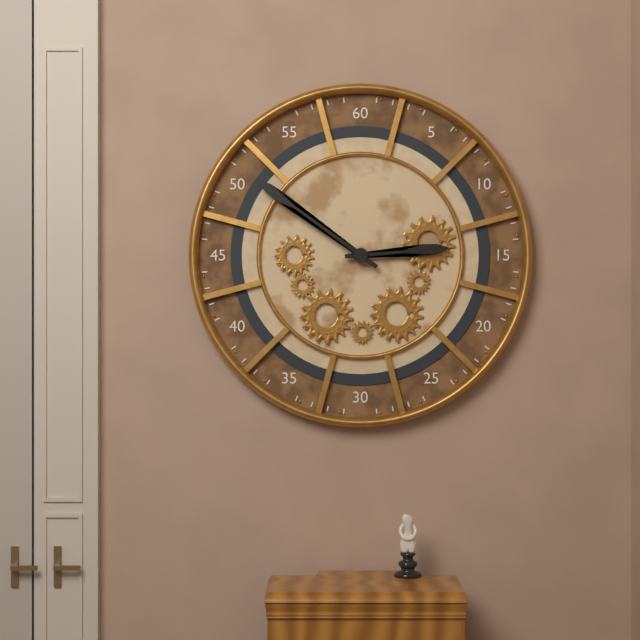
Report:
2,51
